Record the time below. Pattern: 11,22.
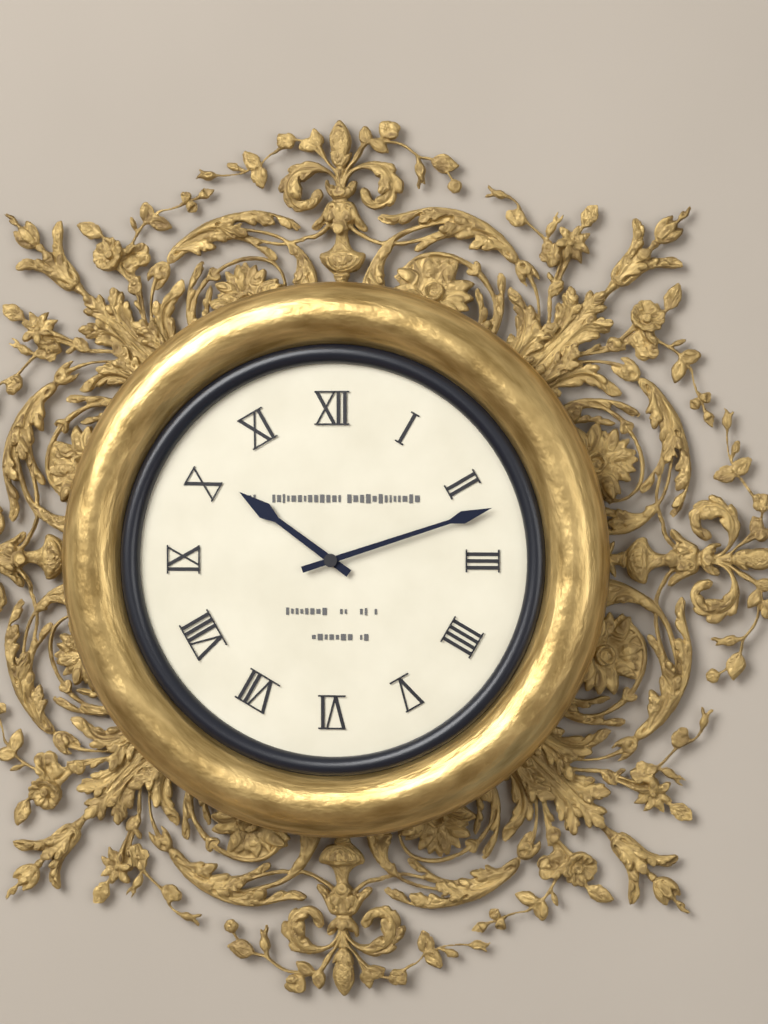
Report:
10,12
